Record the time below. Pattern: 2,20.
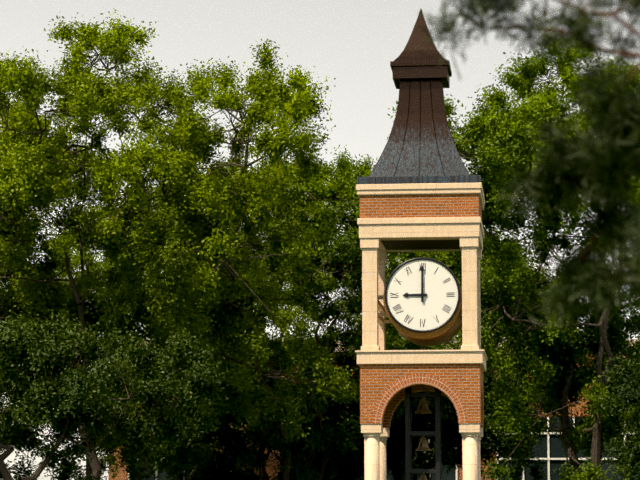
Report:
9,00
